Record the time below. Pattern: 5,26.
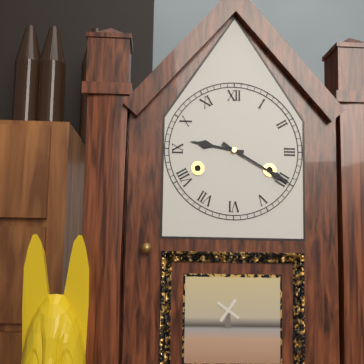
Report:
9,20
